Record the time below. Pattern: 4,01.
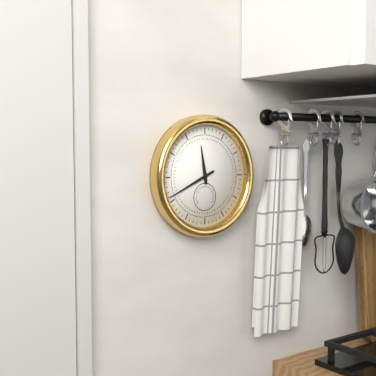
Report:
11,41
